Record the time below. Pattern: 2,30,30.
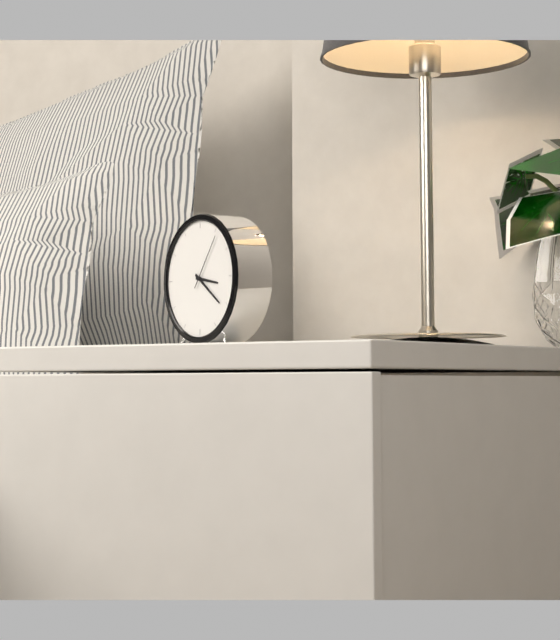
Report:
3,21,06
